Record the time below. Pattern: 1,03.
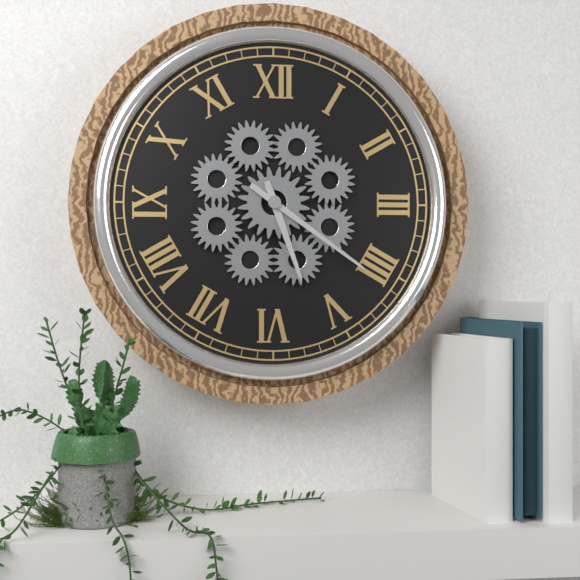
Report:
5,21
